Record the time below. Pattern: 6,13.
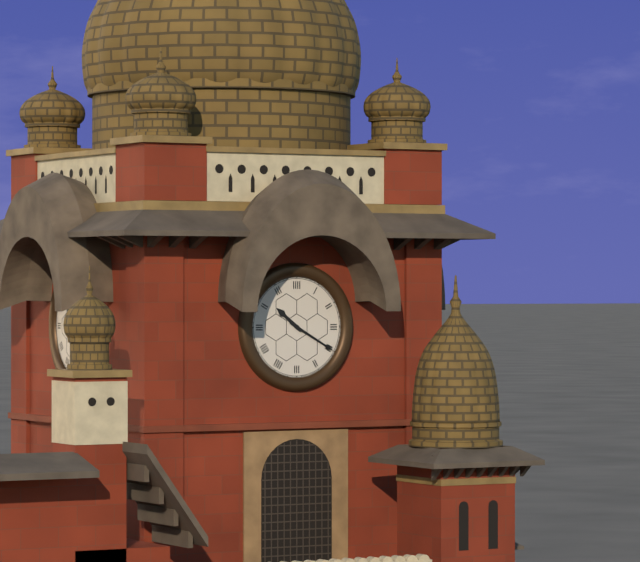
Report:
10,20
